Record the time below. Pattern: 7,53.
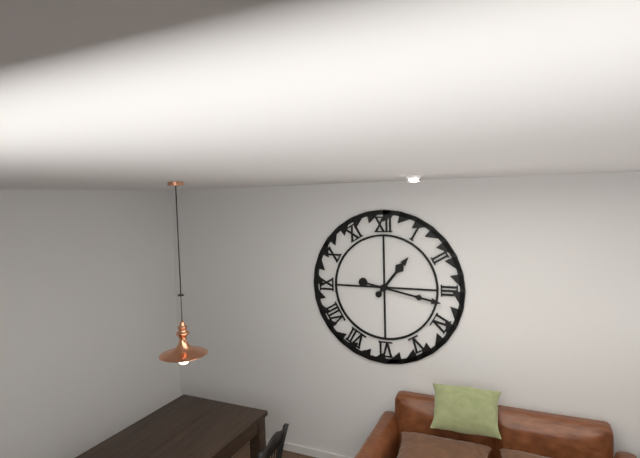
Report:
1,17
